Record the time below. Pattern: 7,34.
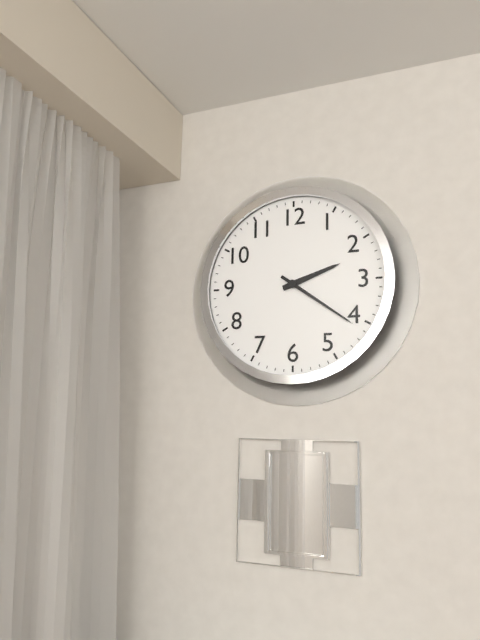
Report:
2,21
